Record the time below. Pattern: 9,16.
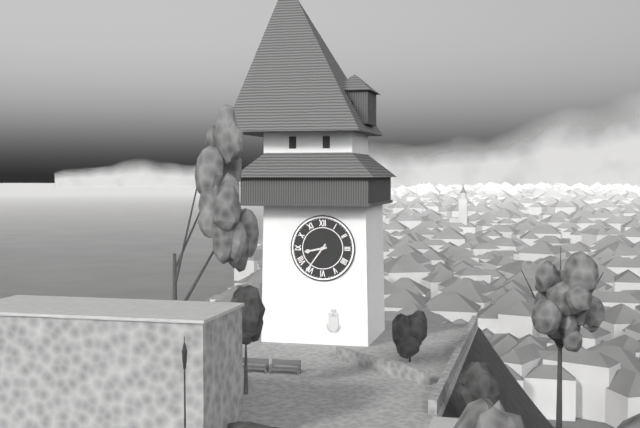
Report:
8,36
